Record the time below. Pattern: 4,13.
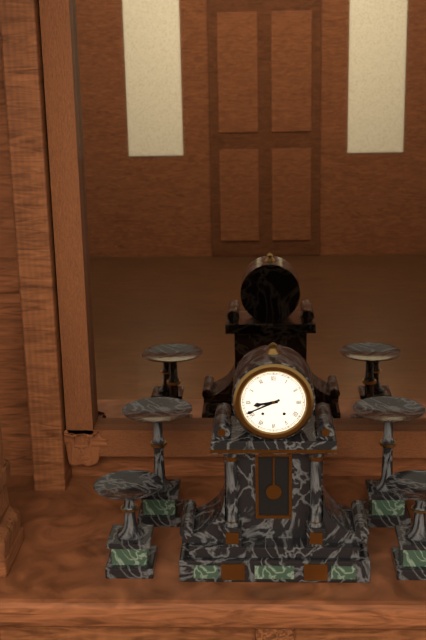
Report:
8,41
